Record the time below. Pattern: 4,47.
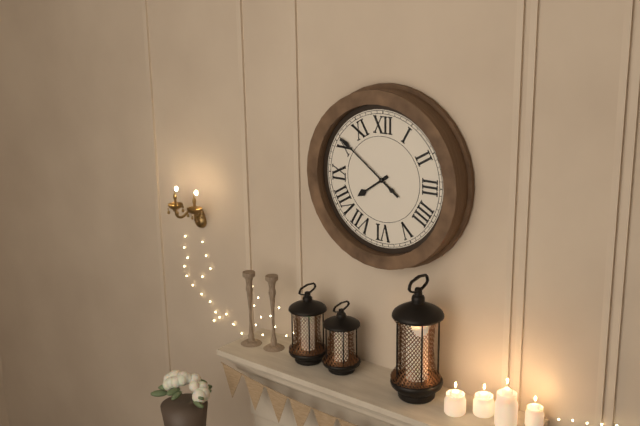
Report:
7,51
